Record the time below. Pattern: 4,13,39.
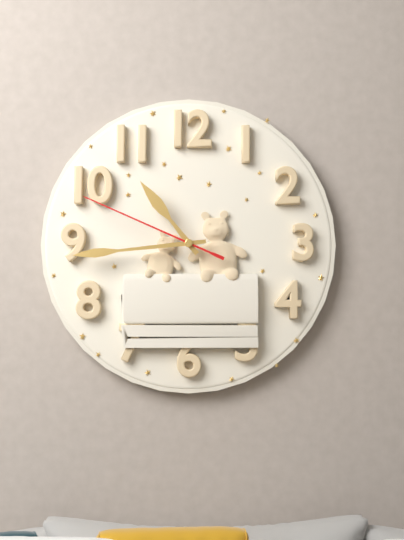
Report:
10,44,49
